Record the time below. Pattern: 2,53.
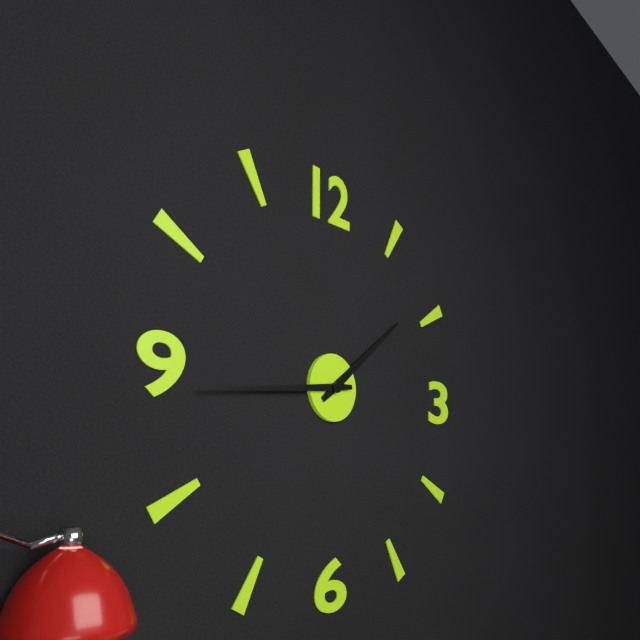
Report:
1,44
